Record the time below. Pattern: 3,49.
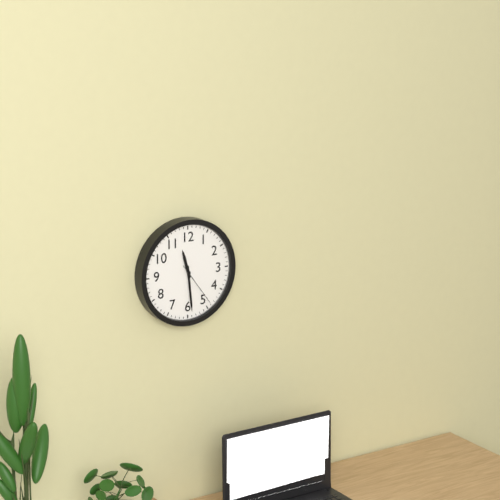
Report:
11,29
